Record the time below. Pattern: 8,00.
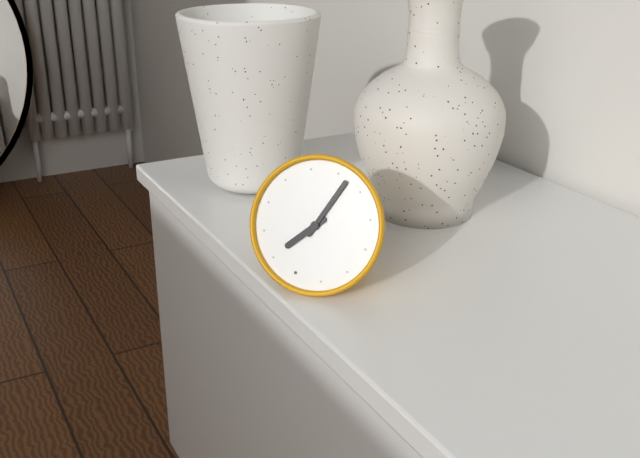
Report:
7,02
